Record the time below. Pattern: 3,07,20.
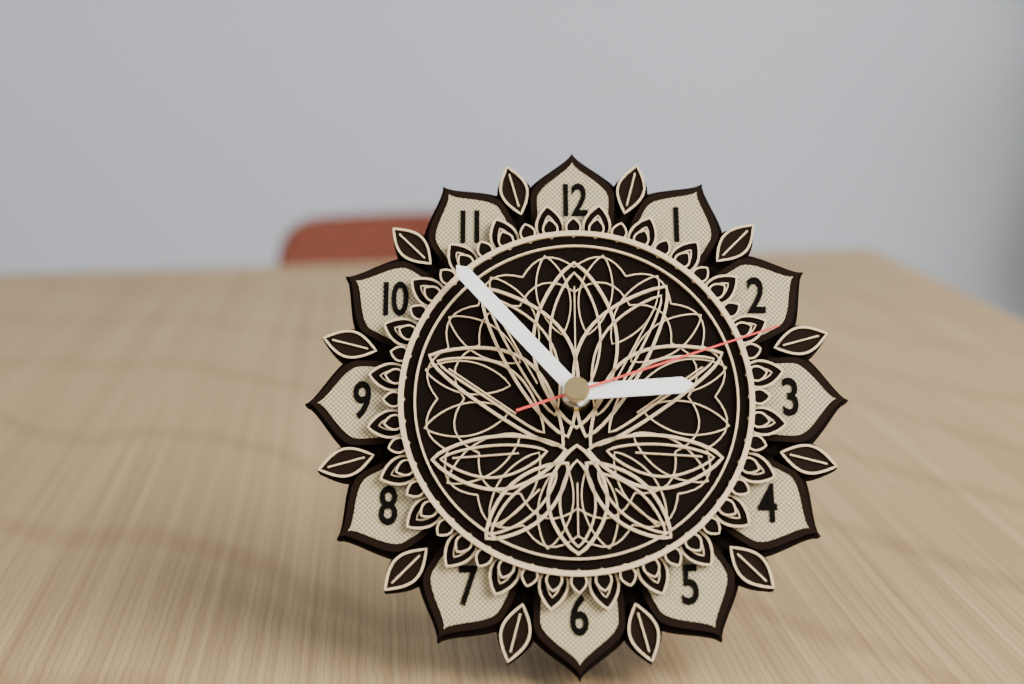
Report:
2,53,12
